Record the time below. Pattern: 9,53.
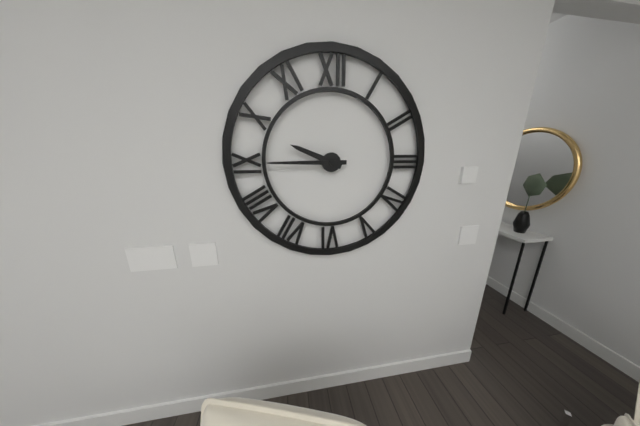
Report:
9,45
